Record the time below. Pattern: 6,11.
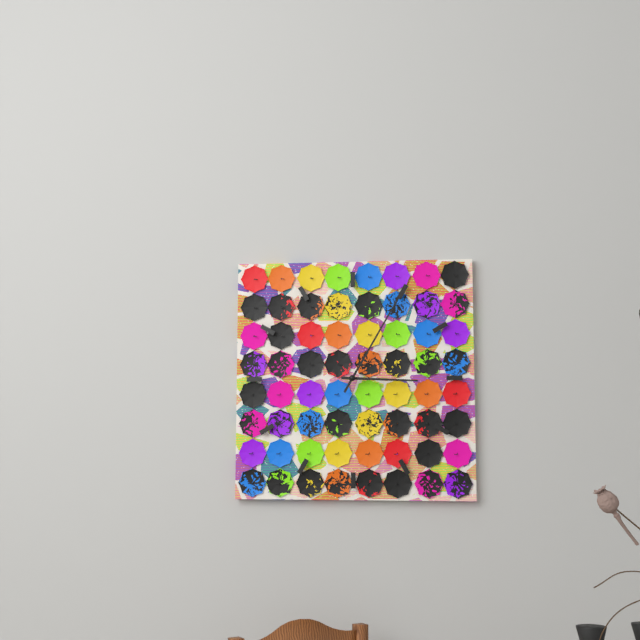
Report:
3,05
